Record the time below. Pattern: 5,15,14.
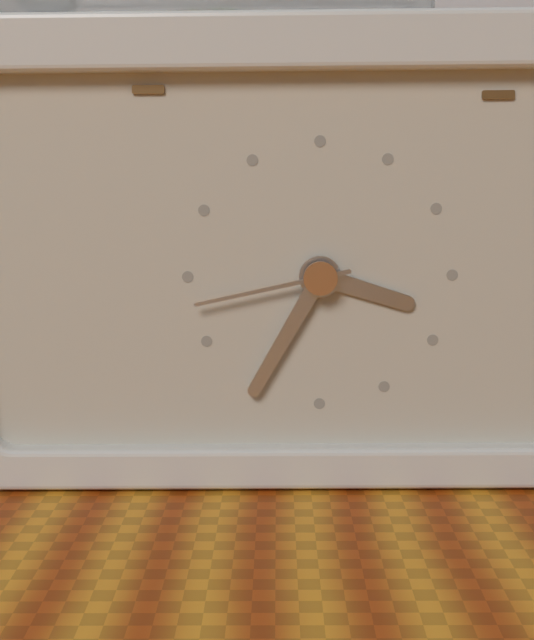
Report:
3,35,43
